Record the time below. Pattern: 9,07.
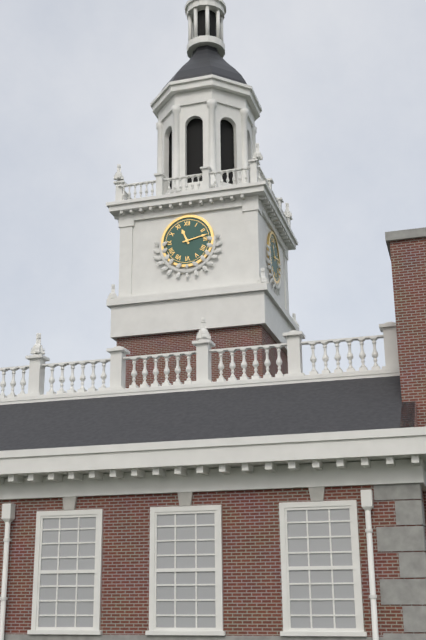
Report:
11,13
